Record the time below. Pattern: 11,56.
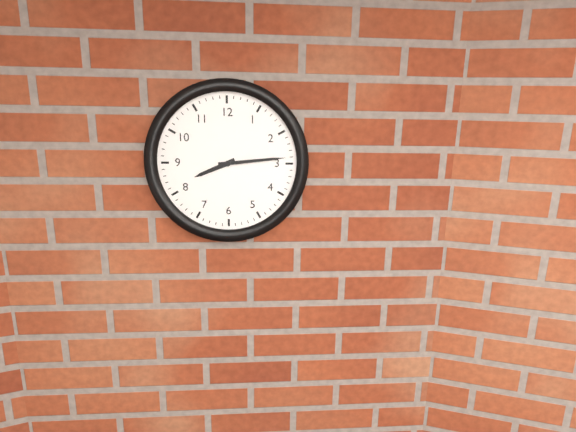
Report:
8,14
